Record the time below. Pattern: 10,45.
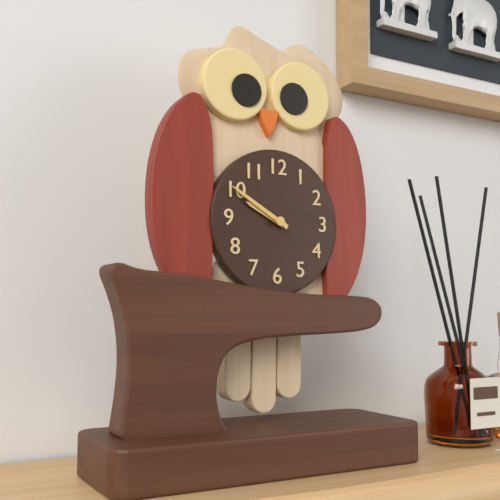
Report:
9,50
